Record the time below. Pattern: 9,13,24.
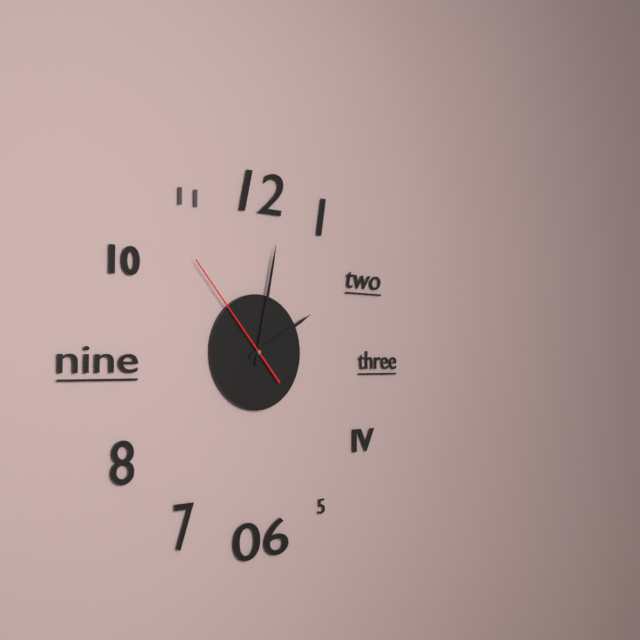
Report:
2,02,53
